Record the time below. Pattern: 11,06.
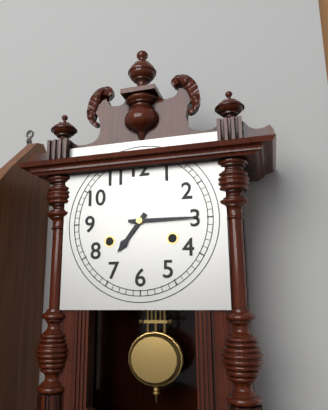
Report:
7,15
